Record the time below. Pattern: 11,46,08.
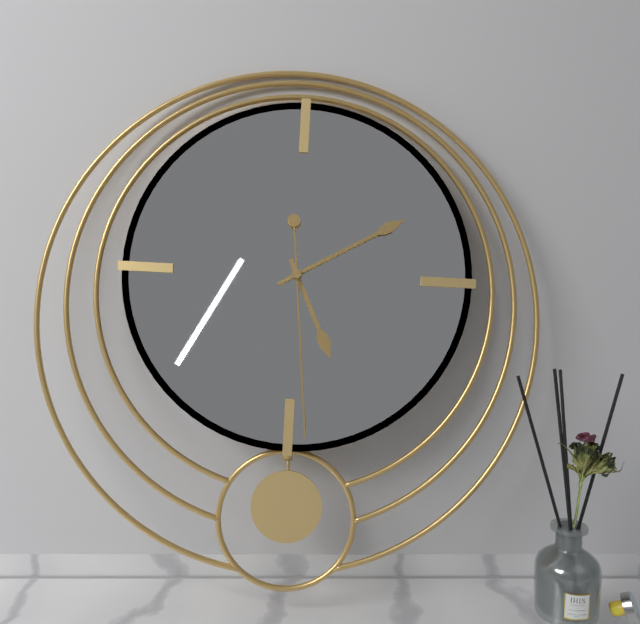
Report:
5,10,29
